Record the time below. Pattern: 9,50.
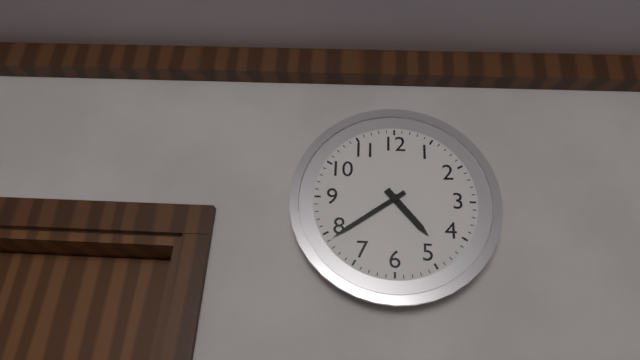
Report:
4,39
